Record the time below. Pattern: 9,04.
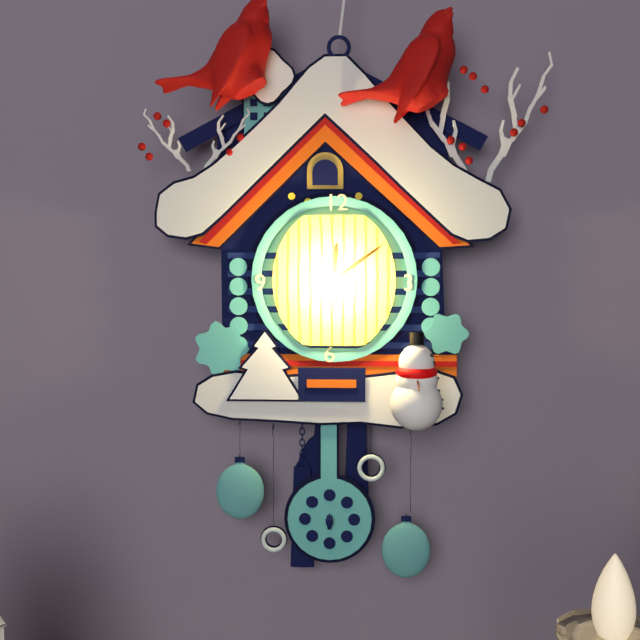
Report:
12,09
